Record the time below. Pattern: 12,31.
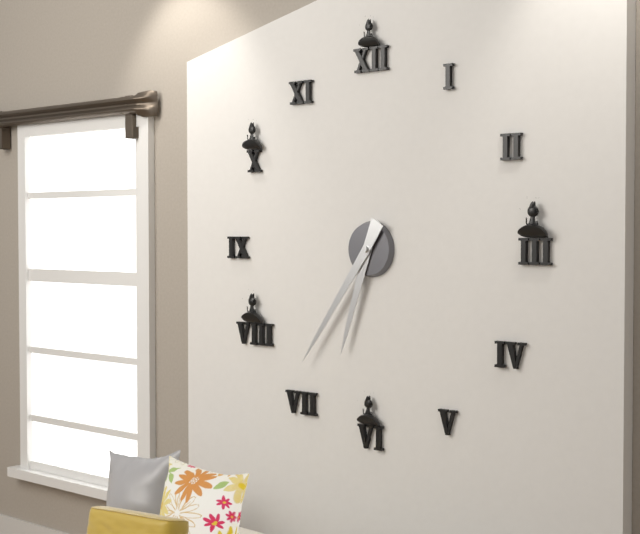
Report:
6,36
